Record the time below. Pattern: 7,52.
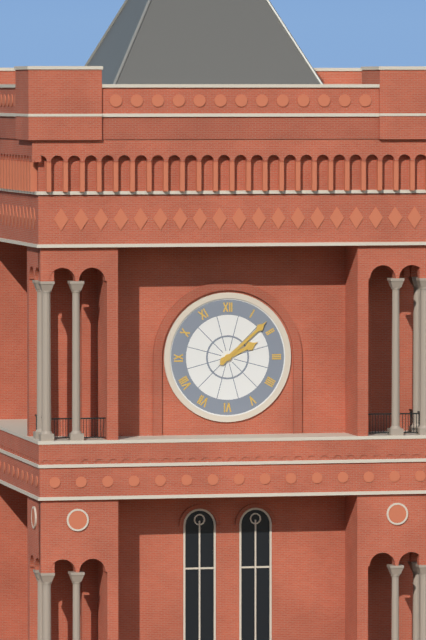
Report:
2,08
